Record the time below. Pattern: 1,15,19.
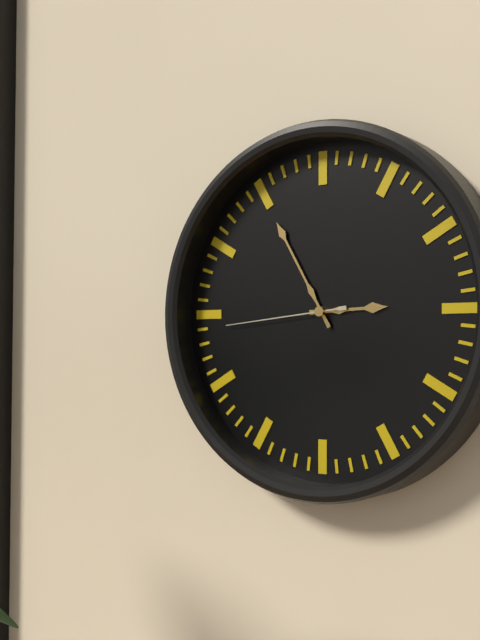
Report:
2,55,44
